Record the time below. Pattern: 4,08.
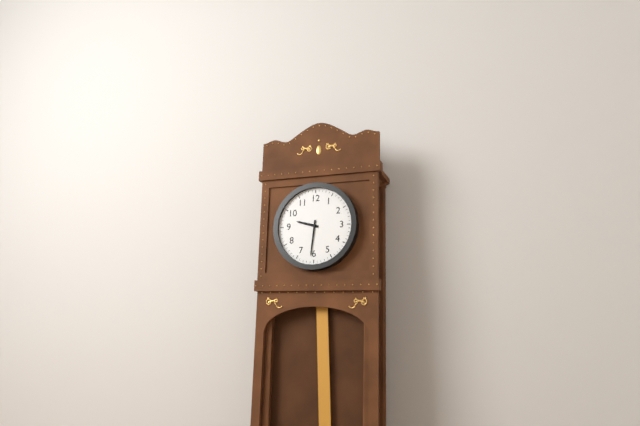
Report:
9,31
